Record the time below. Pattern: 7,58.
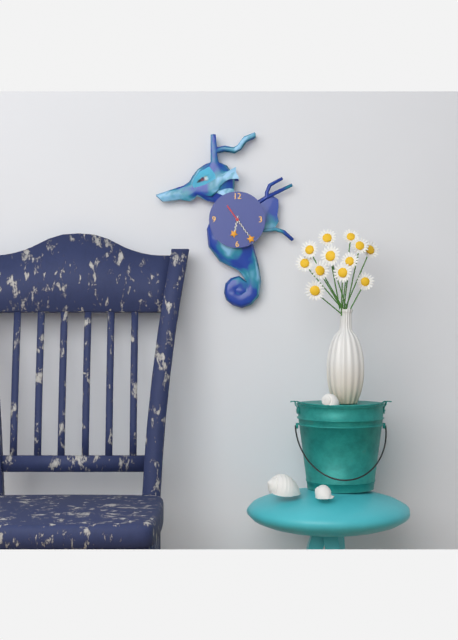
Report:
6,24
